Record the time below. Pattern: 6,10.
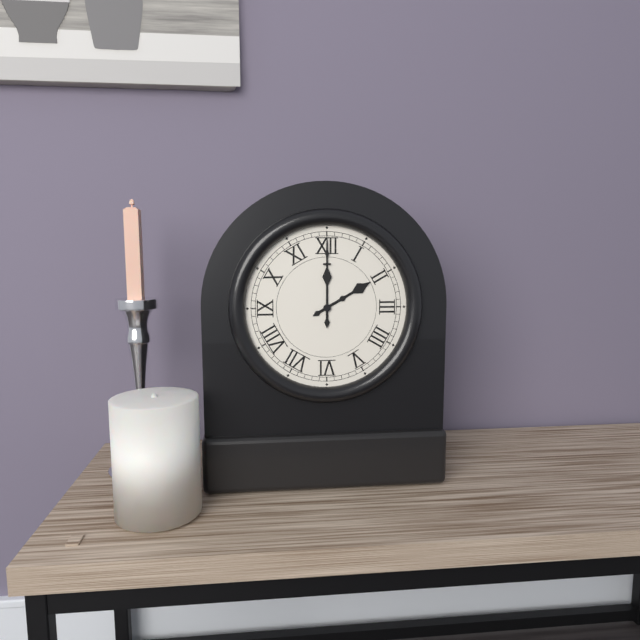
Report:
2,00
